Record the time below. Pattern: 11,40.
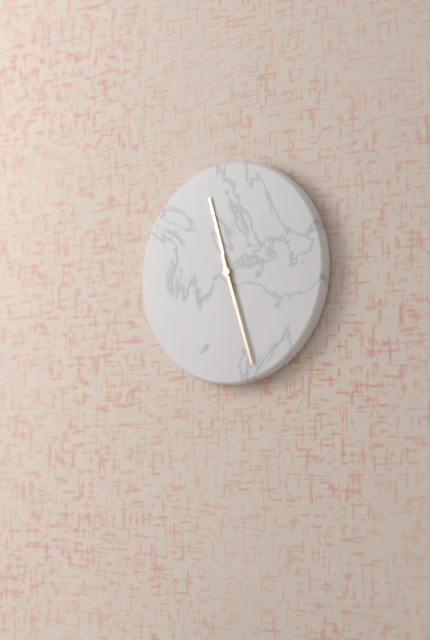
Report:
11,27
